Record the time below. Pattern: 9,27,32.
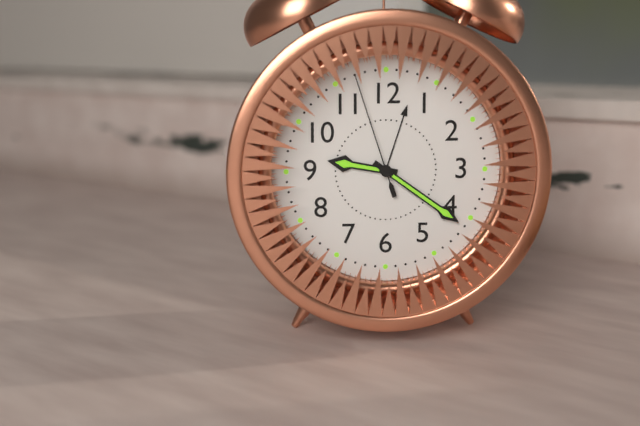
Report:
9,21,57
